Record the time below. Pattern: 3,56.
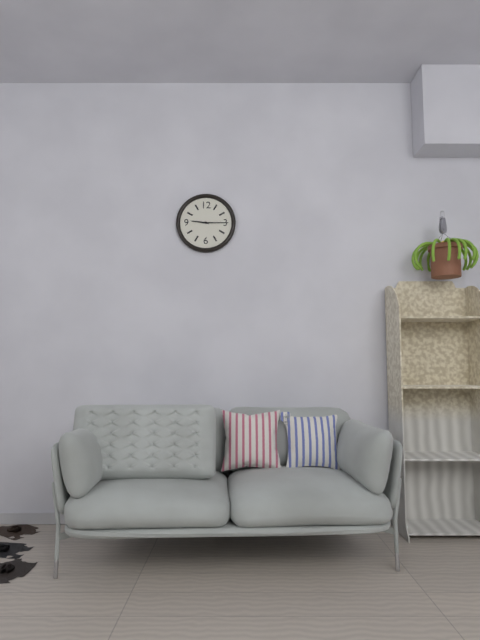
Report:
9,15
